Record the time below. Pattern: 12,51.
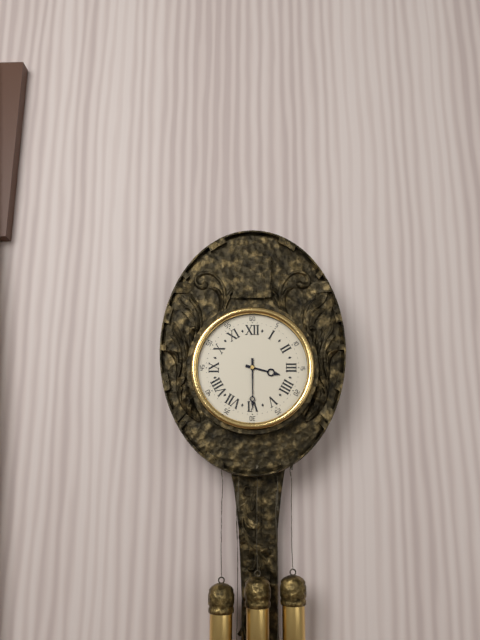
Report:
3,30
